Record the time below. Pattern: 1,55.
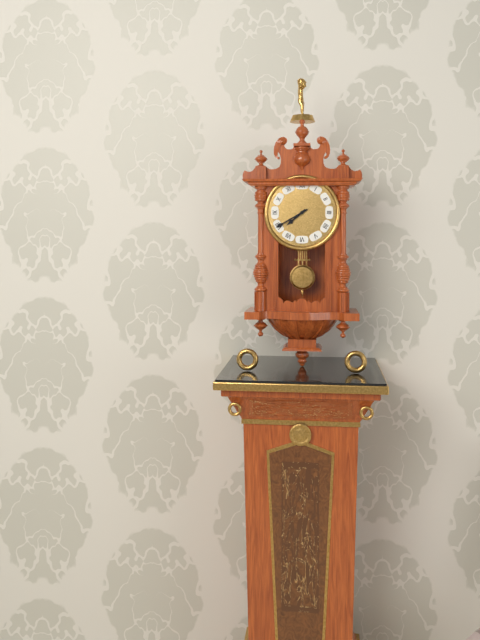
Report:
7,40
